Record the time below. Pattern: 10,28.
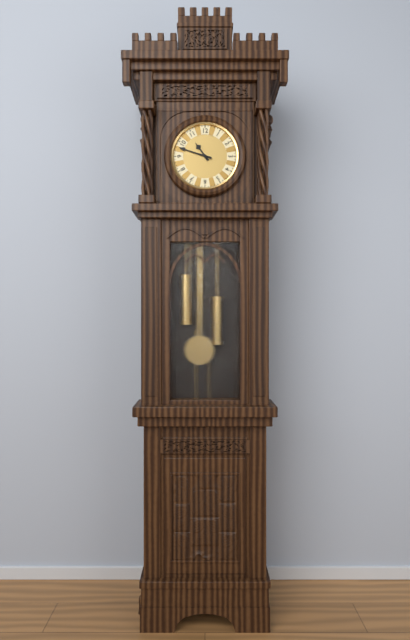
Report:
10,48
